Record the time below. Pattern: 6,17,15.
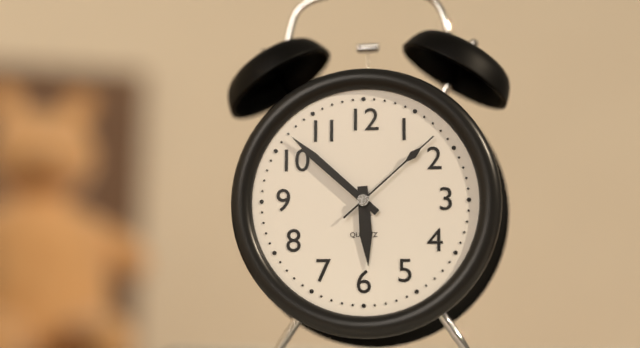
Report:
5,52,08
